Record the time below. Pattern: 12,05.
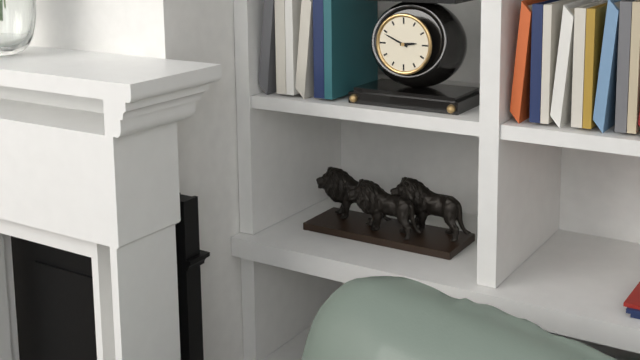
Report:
2,49
